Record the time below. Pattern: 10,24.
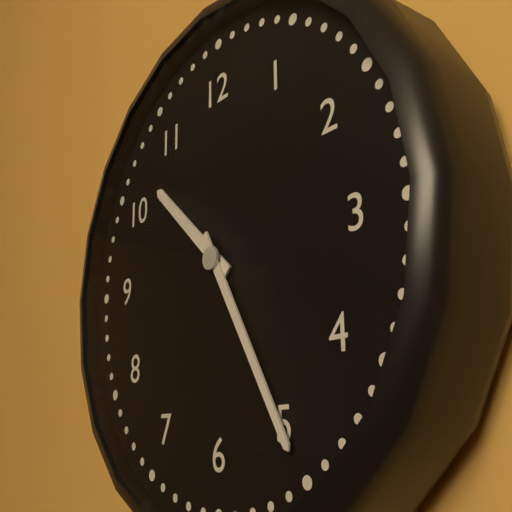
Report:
10,25
